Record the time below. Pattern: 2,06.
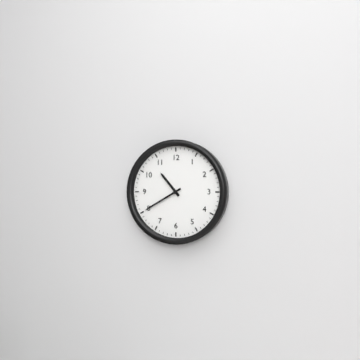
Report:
10,40
